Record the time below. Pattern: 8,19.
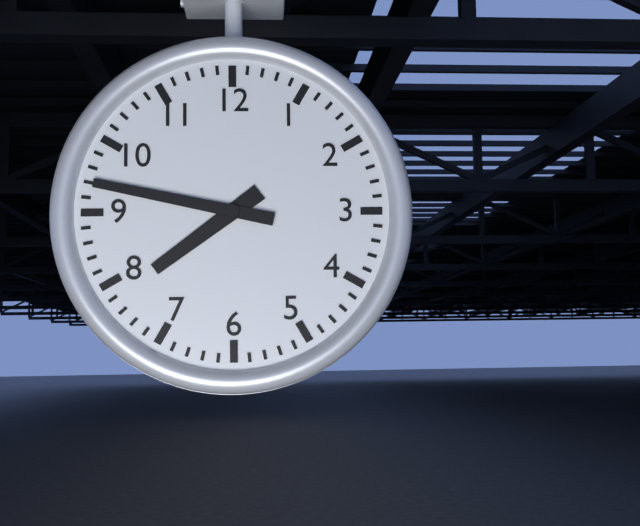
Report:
7,47
